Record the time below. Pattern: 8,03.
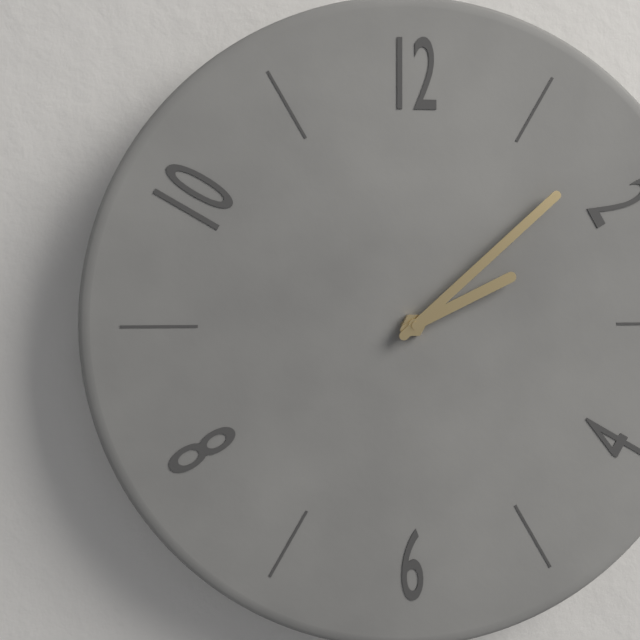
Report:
2,08
